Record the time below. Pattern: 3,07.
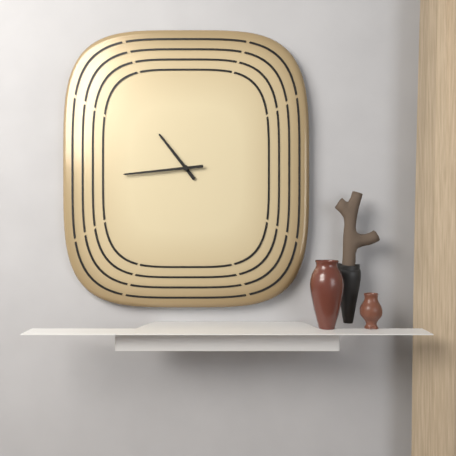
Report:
10,44
